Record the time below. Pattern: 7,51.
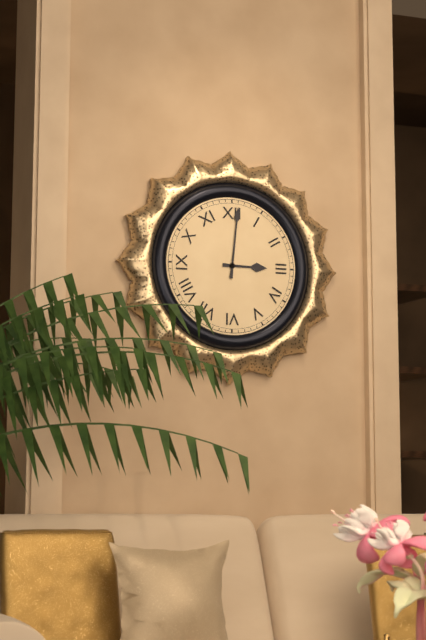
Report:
3,01
